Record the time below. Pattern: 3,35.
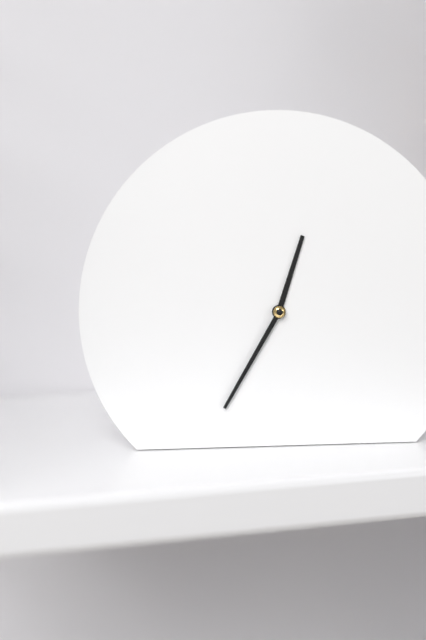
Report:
12,35
